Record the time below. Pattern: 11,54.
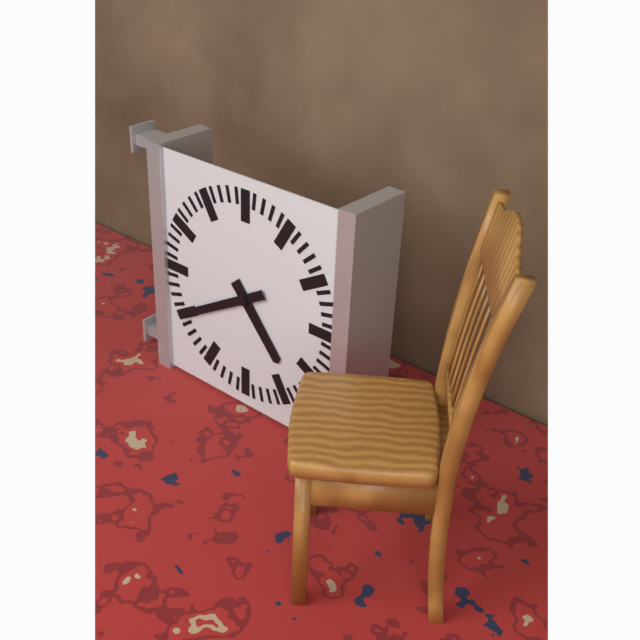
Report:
4,40
